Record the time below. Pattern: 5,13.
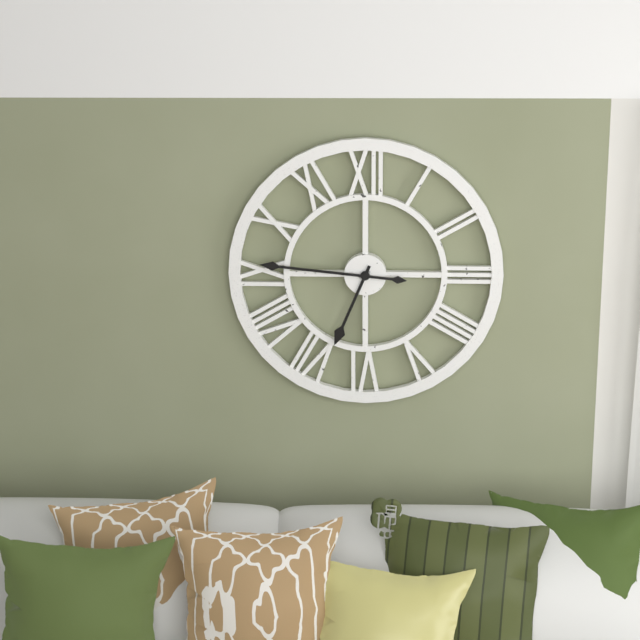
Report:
6,46
